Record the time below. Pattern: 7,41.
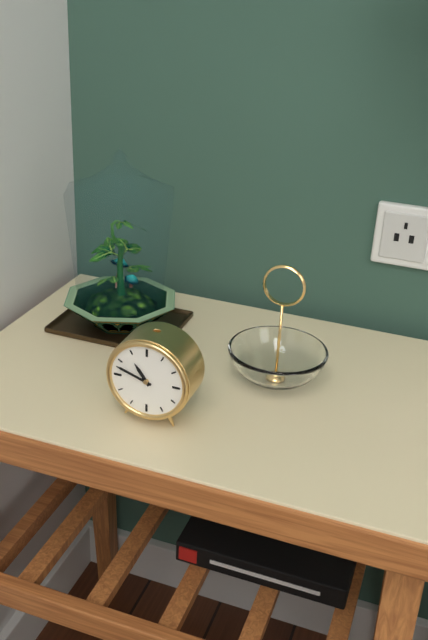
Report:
10,48
